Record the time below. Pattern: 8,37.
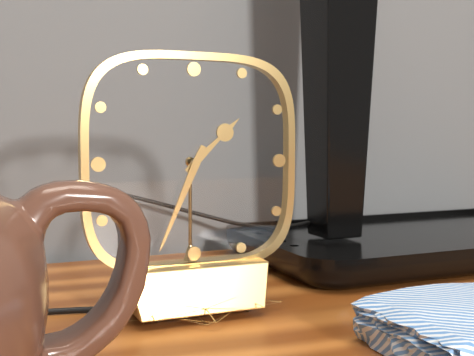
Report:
1,34
